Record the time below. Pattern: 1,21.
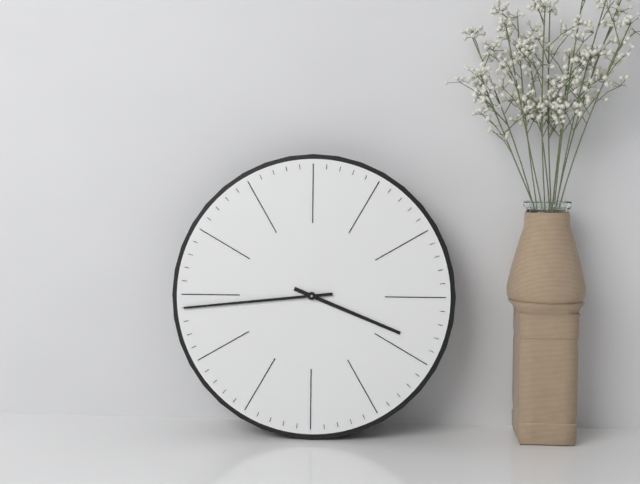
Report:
3,44
